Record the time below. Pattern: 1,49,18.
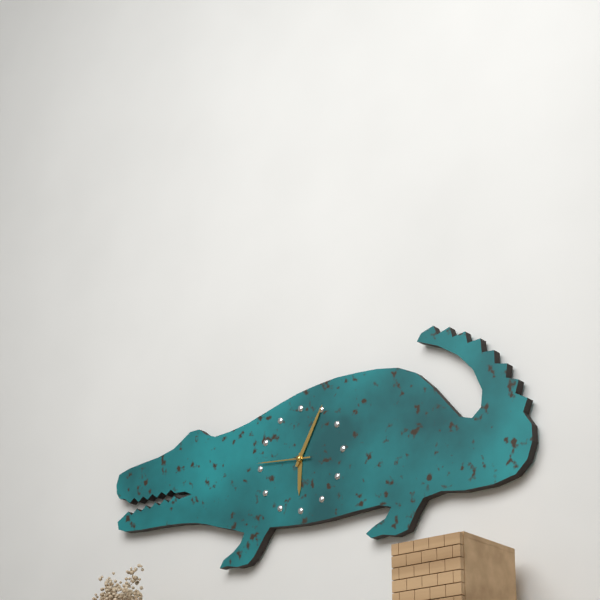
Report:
6,05,46
